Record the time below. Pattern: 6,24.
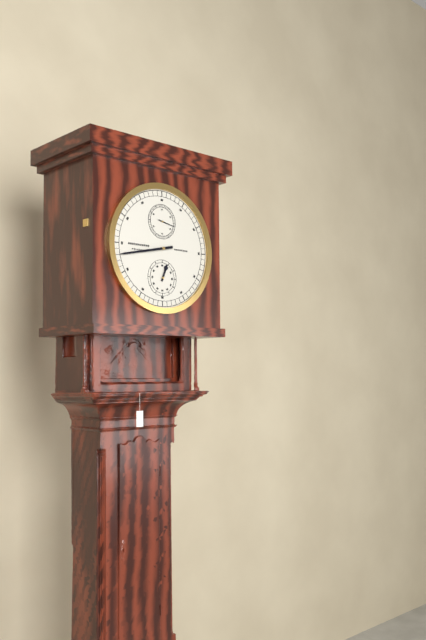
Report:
12,43
